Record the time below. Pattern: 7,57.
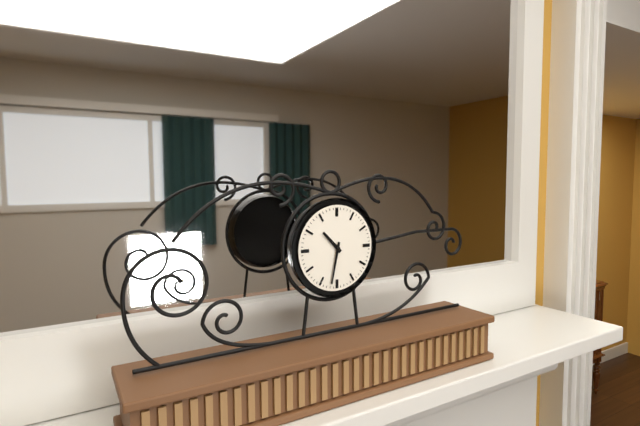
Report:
10,32
